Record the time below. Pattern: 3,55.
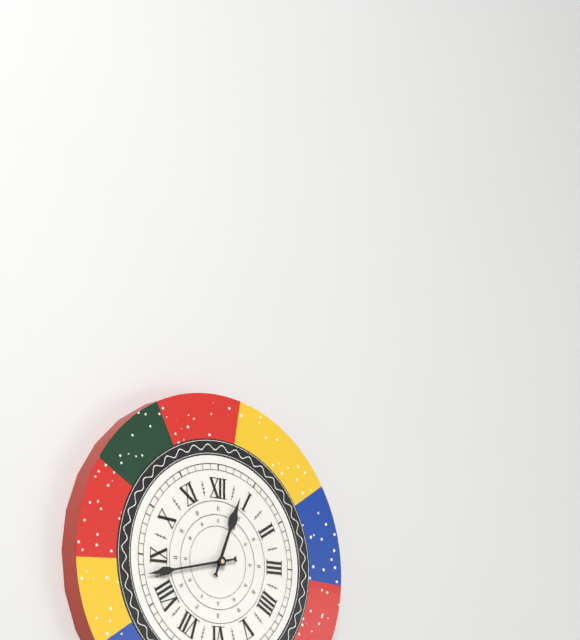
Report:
12,43
